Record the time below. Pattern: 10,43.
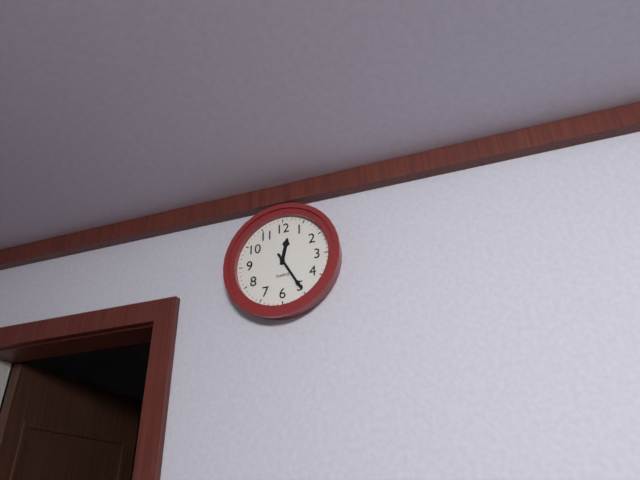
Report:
12,25
